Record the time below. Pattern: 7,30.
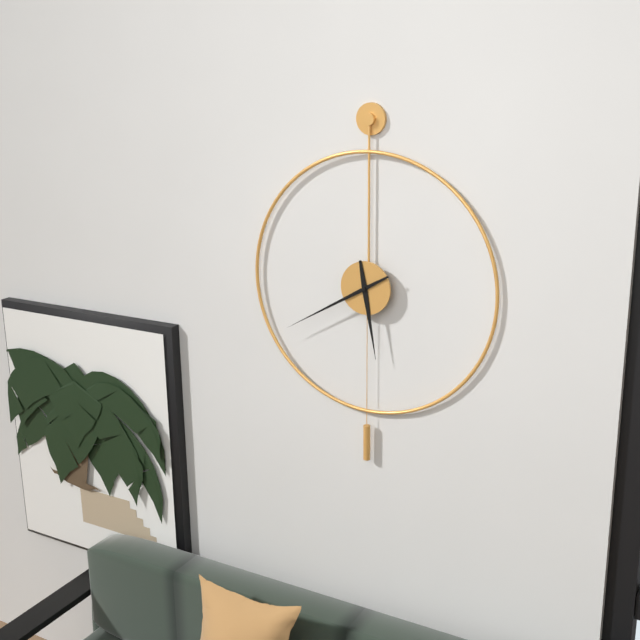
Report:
5,40
